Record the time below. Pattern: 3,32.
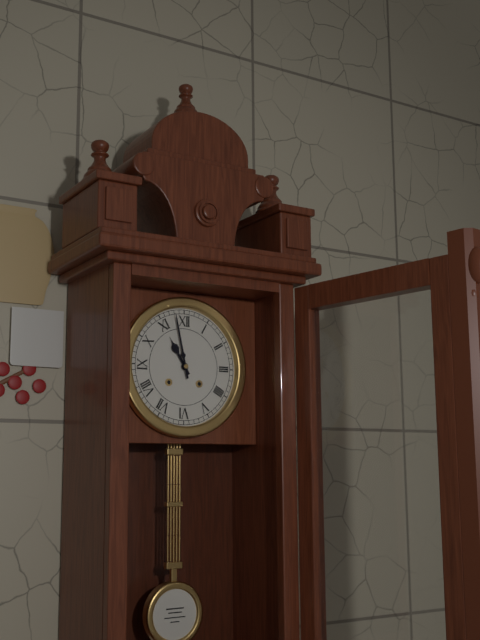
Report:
10,58
